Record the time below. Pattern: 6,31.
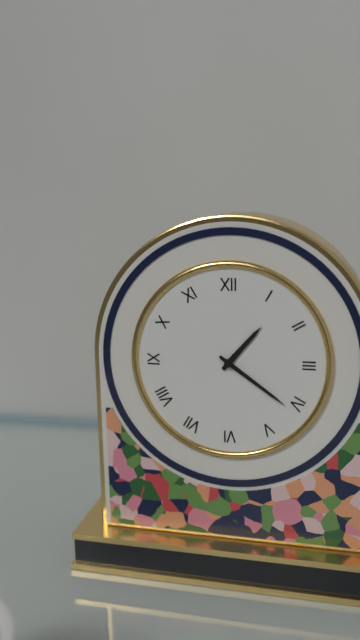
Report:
1,21
